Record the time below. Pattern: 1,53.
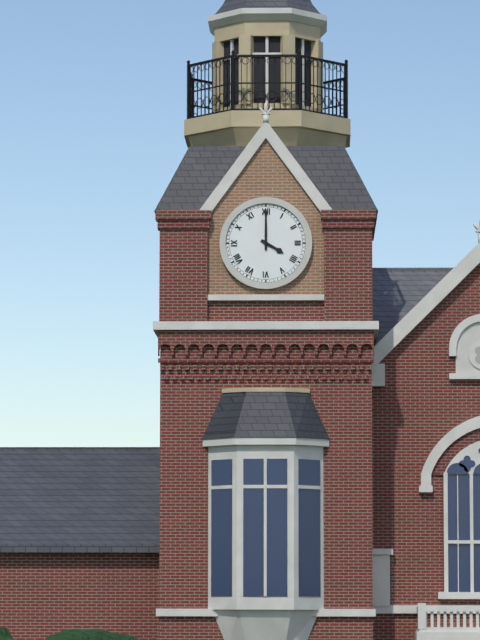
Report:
4,00
